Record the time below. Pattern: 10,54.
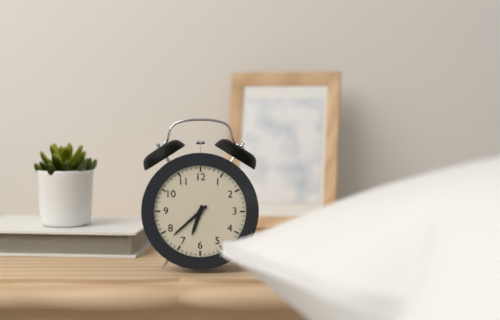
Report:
6,38
